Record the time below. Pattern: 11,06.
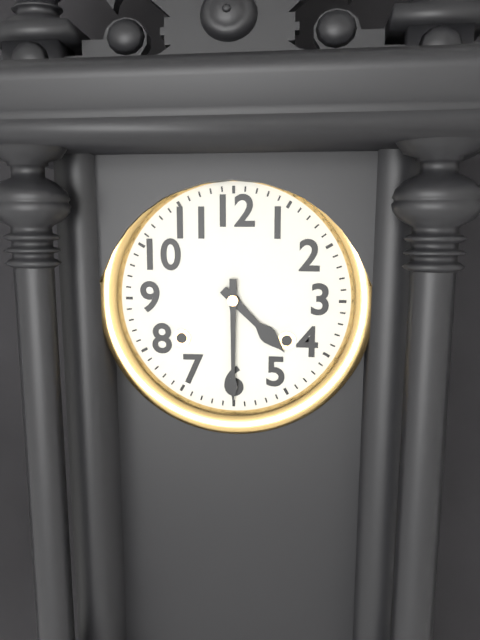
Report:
4,30
